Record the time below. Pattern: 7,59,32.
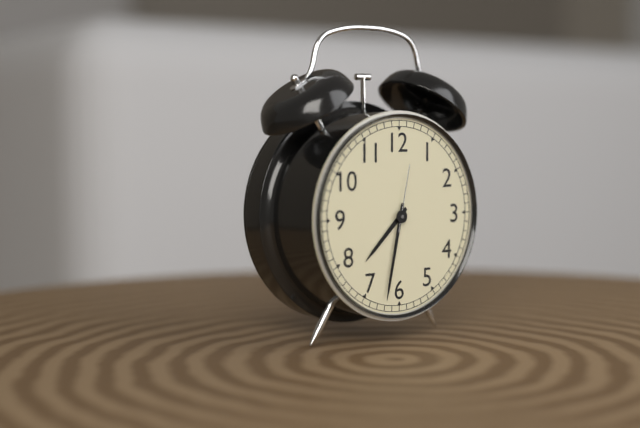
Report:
7,32,02
